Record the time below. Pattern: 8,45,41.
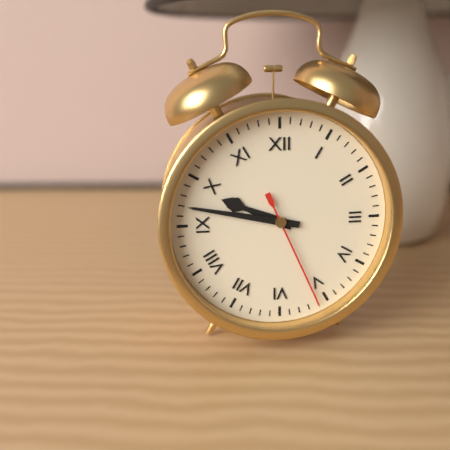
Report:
9,47,26
